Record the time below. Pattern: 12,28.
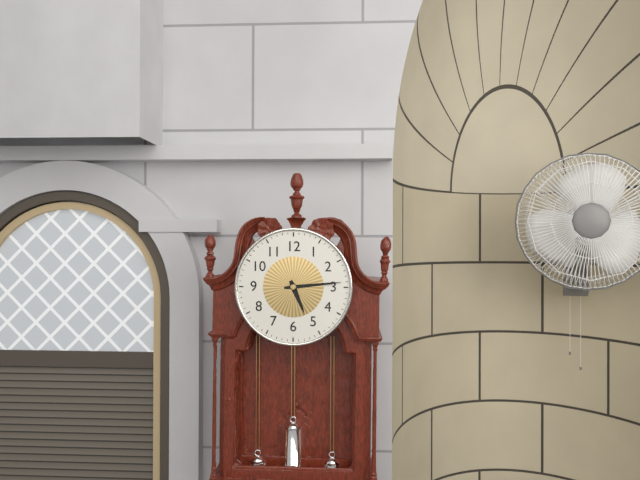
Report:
5,14
